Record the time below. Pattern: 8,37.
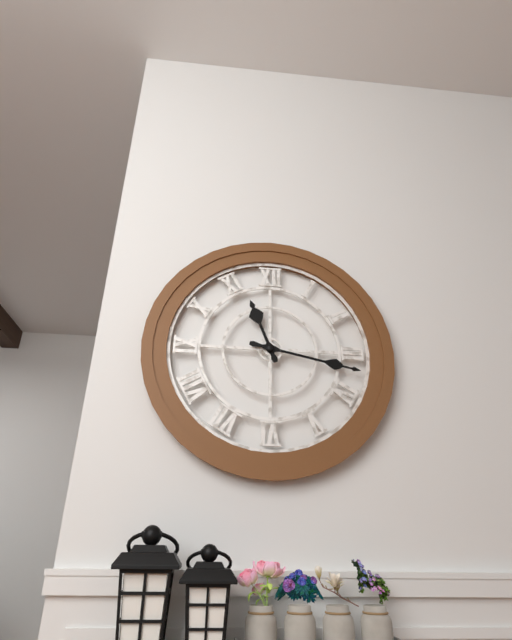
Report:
11,17
